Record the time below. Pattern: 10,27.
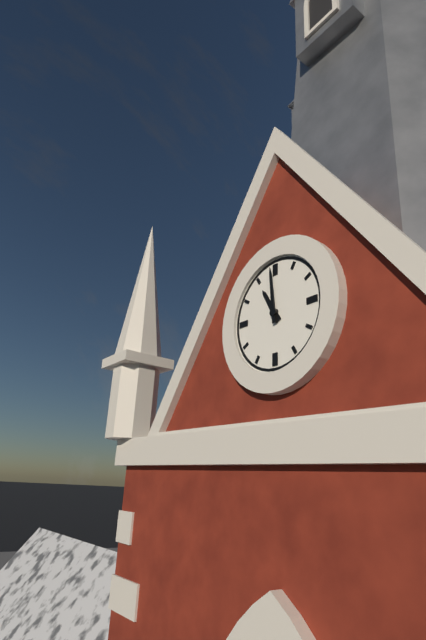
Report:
10,59
